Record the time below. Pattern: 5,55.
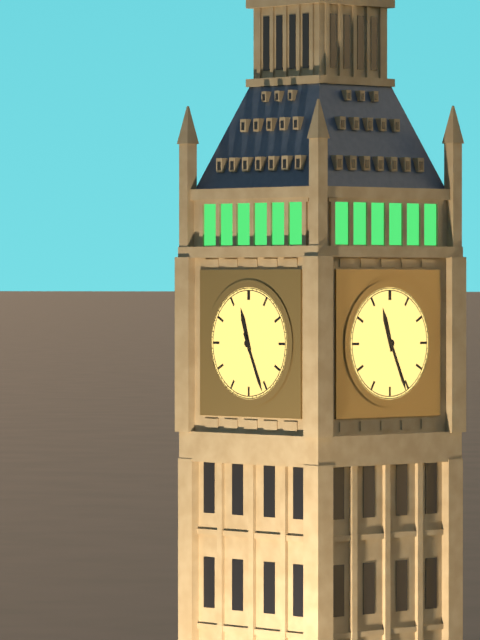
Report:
11,26
